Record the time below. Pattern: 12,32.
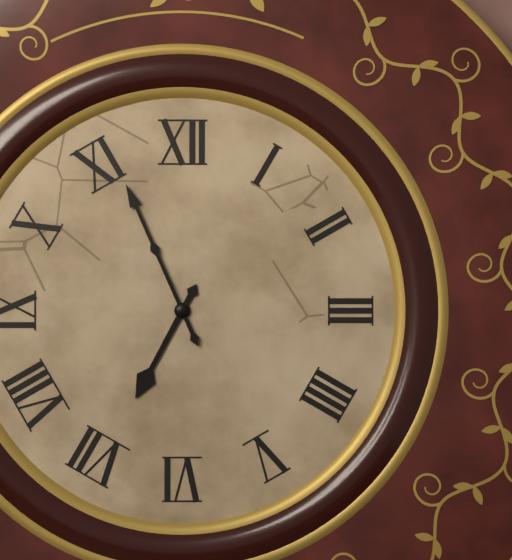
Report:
6,56
